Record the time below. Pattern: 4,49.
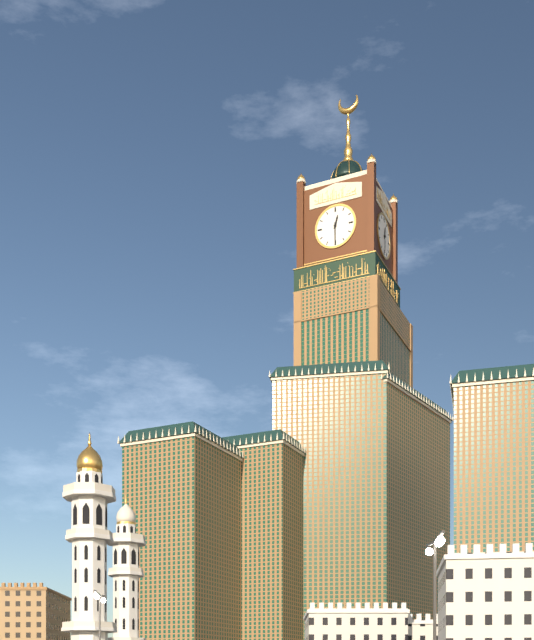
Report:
12,30
